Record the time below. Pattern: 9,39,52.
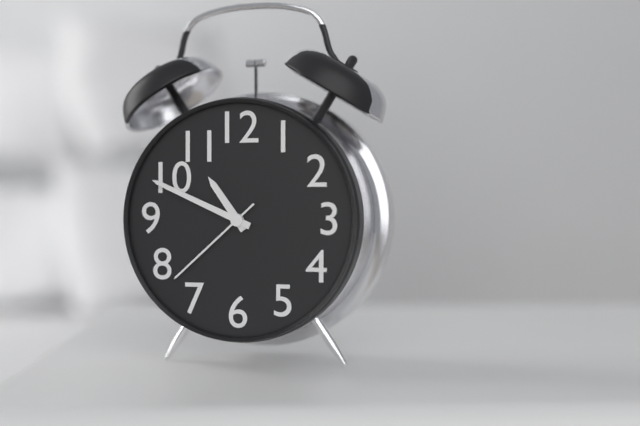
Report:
10,49,38
